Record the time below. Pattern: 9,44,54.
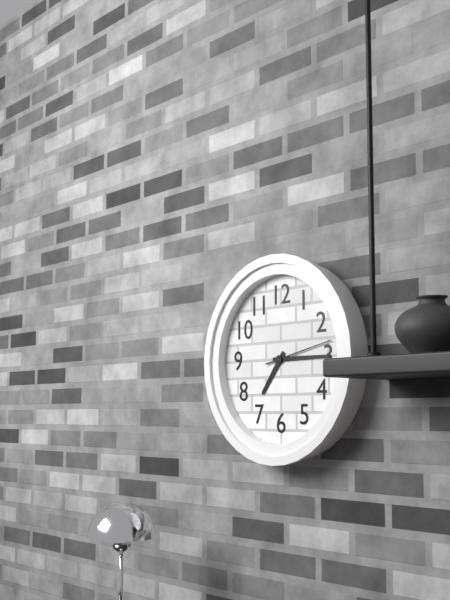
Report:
7,15,13
